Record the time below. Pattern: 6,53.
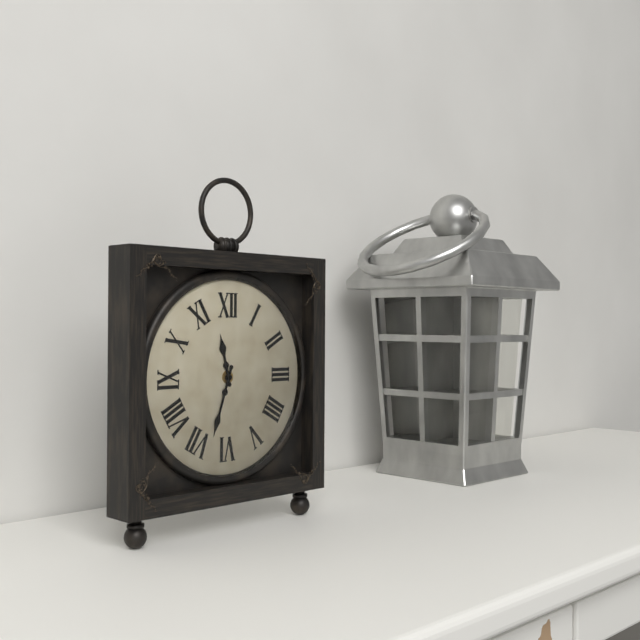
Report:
11,33
